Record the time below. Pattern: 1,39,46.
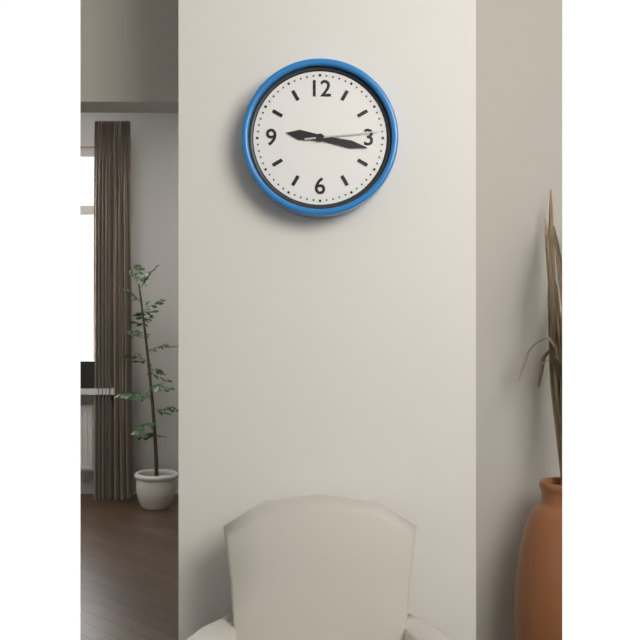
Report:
9,17,14
